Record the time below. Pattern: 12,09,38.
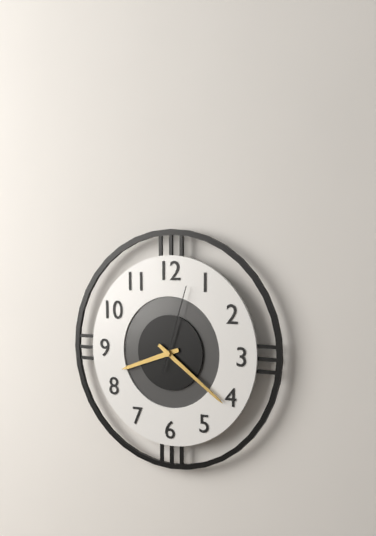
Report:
8,21,03
